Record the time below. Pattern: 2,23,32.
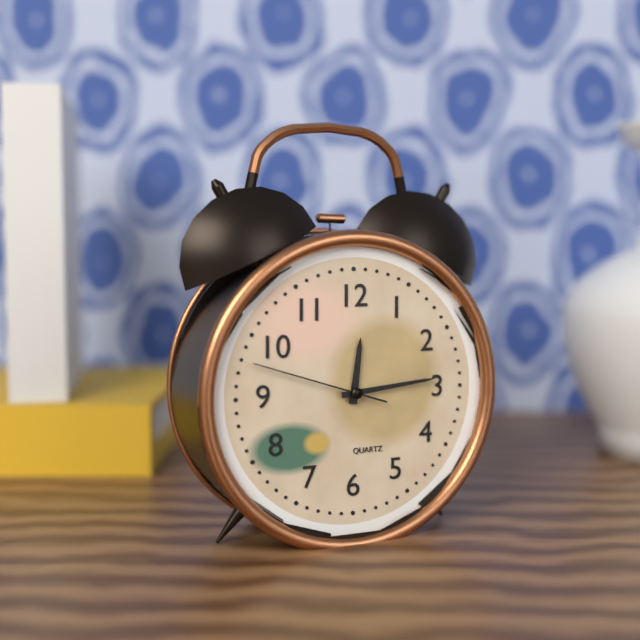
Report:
12,14,48
